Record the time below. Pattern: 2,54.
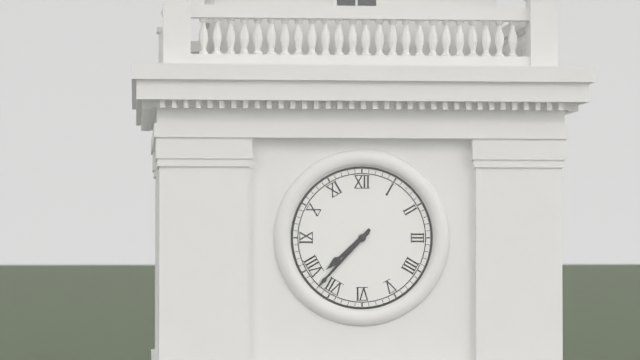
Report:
7,37
